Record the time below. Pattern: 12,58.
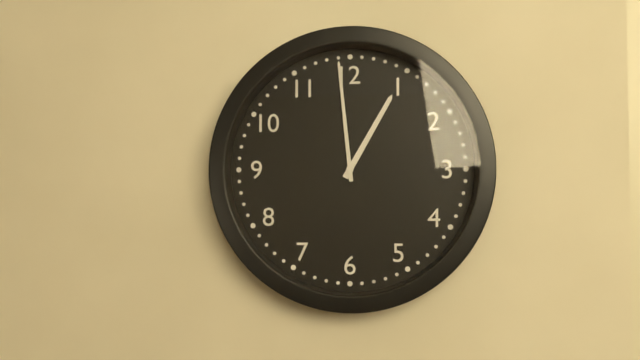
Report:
12,59
